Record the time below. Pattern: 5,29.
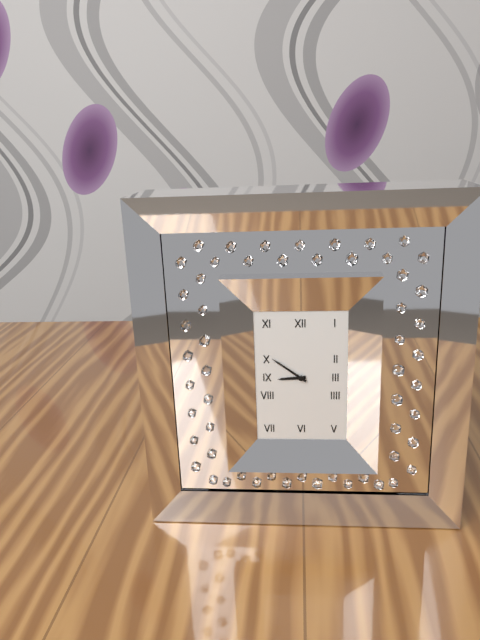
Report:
8,51
